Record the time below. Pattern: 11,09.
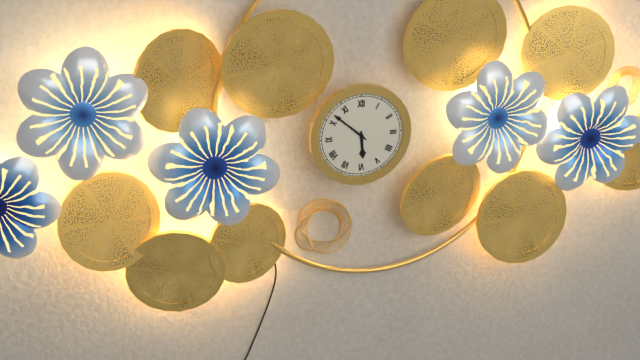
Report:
5,52
